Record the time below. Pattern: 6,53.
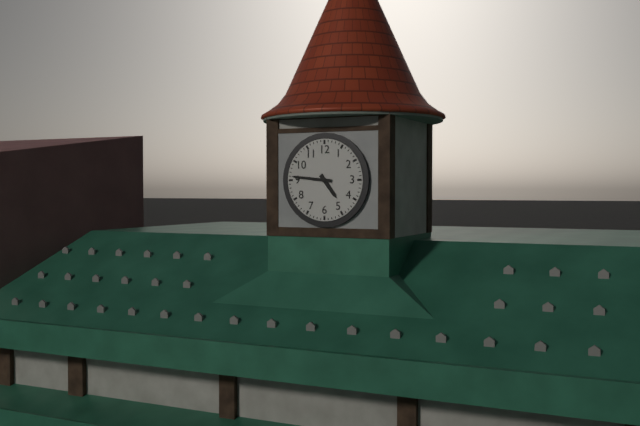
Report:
4,46
